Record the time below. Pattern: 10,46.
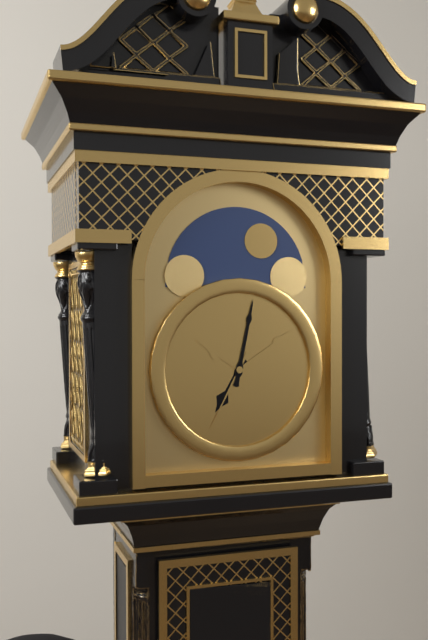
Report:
7,02
